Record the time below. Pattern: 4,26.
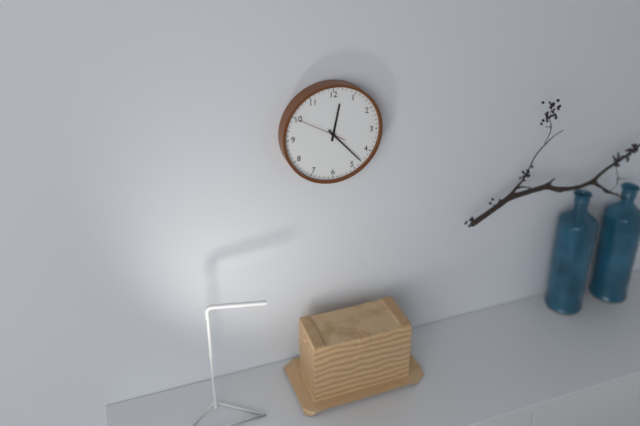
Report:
12,23
